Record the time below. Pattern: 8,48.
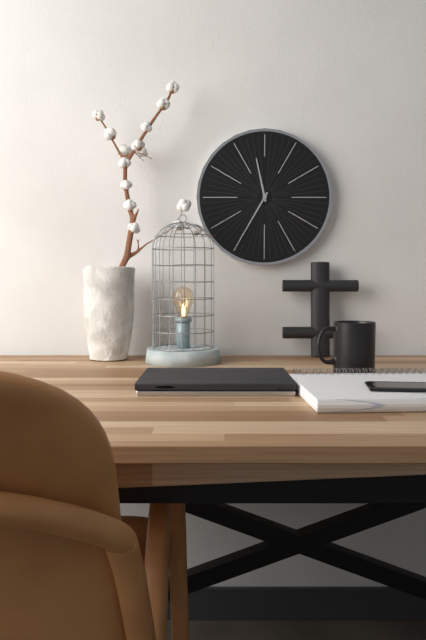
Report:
11,35
